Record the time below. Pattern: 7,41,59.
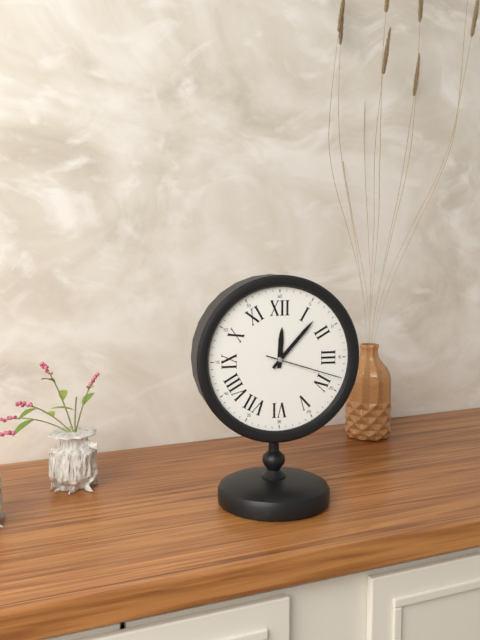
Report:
12,07,18
